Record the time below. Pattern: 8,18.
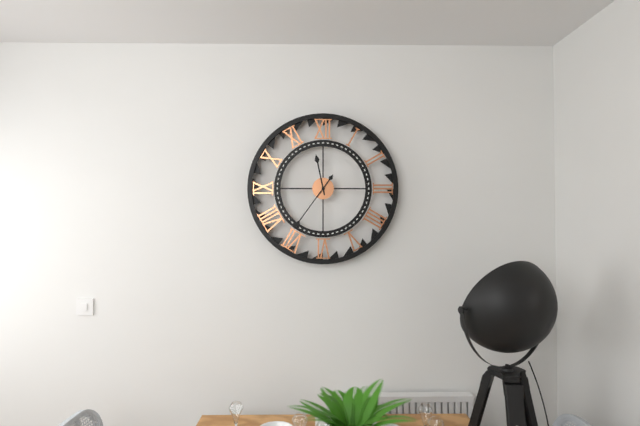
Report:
11,36
